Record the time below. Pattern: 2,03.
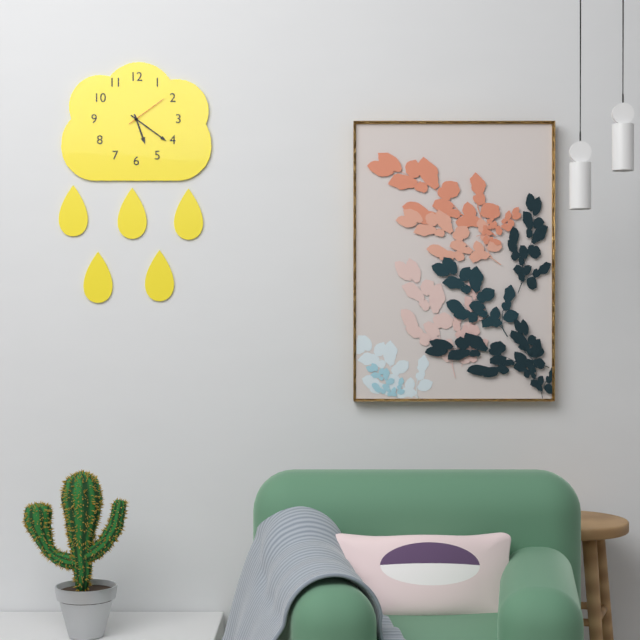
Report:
5,21
